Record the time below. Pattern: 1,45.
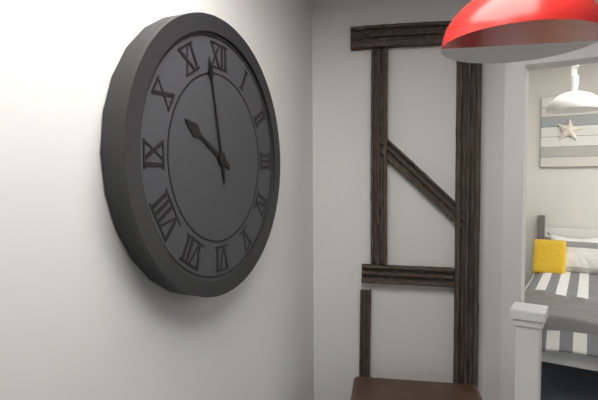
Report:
9,58
